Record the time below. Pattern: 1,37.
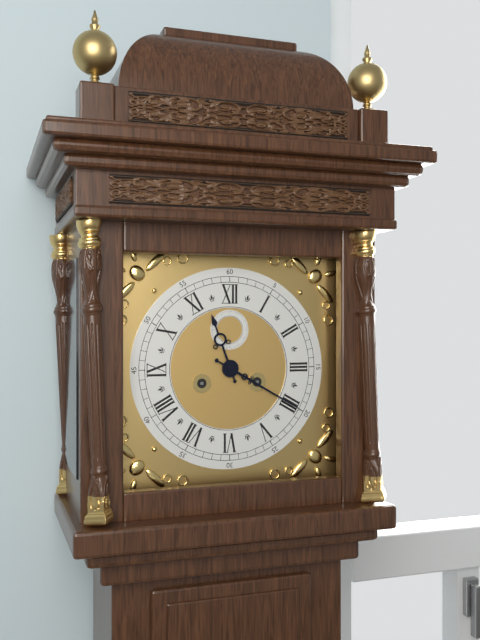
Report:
11,20
